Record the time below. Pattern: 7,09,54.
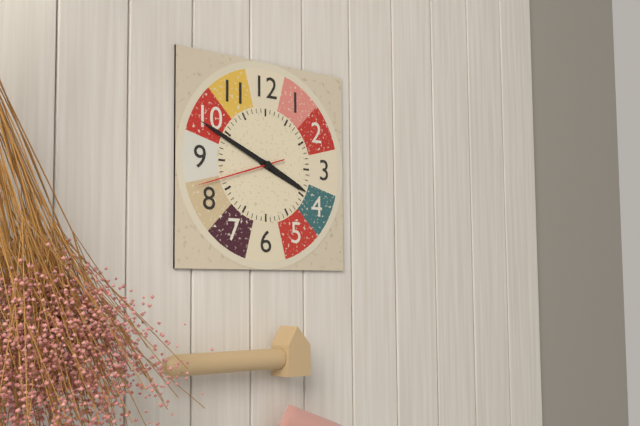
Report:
3,49,42
